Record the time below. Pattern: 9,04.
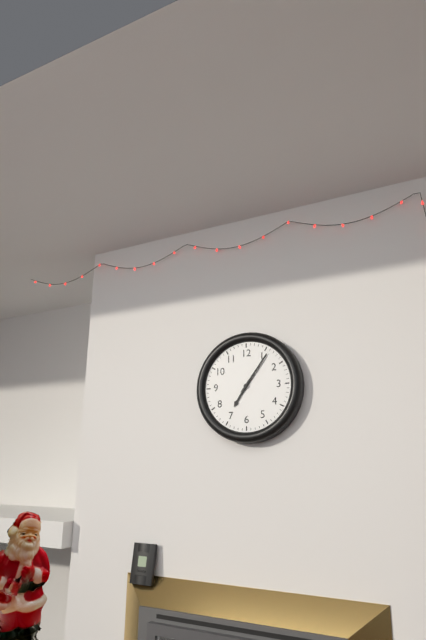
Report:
7,06
